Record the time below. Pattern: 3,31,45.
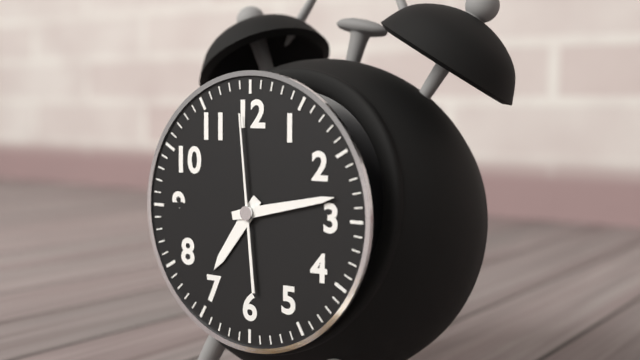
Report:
7,13,59
